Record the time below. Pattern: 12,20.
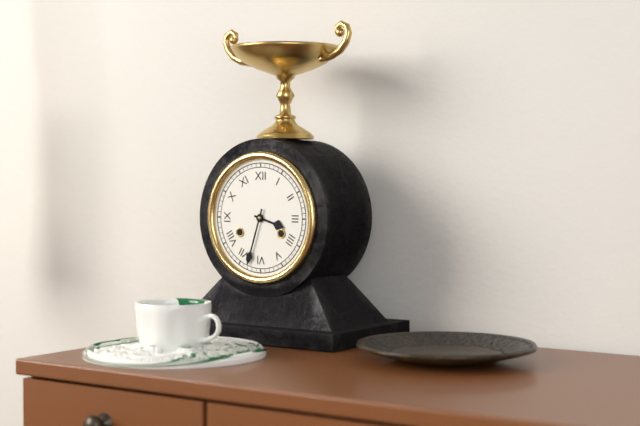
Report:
3,33
